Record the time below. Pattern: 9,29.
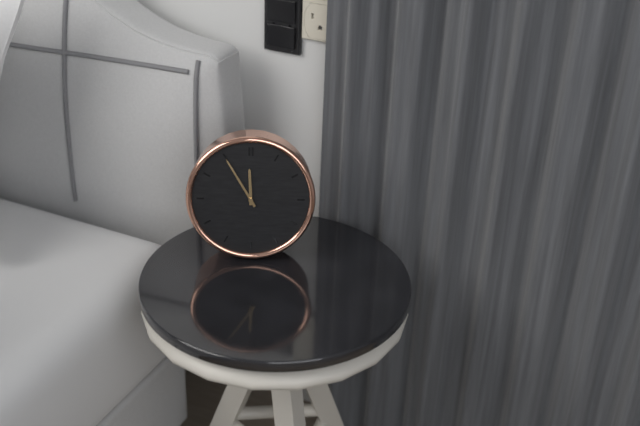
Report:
11,55
